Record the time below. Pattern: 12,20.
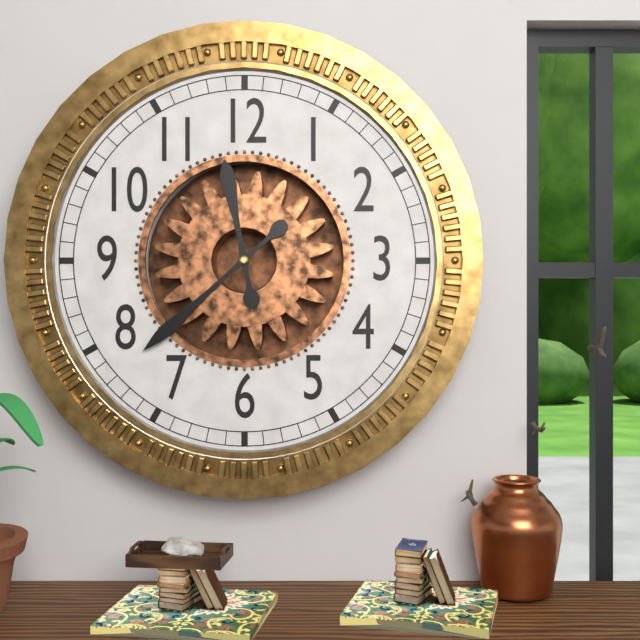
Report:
11,38
